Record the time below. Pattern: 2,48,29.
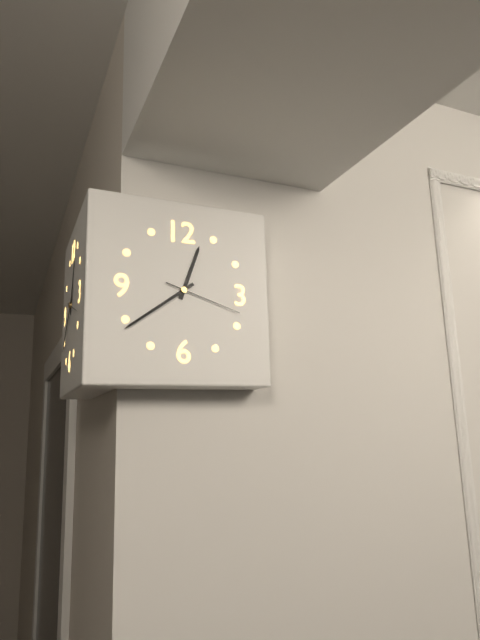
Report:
12,39,18
